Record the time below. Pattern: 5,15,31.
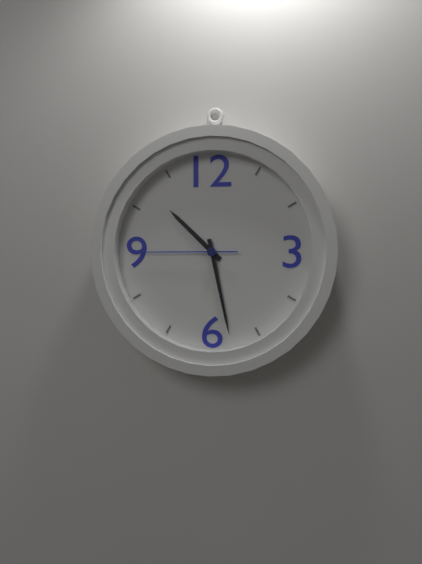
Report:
10,28,45
